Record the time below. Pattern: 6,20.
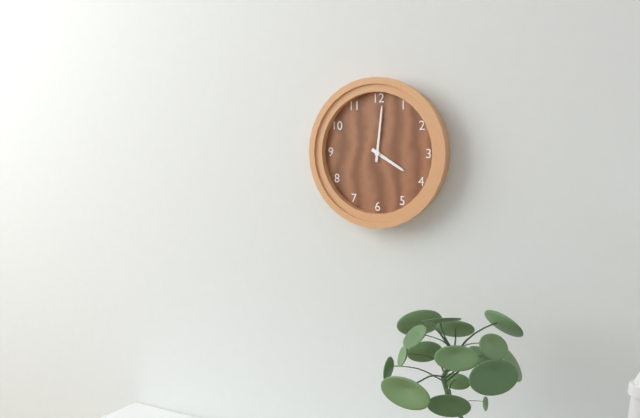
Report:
4,01
